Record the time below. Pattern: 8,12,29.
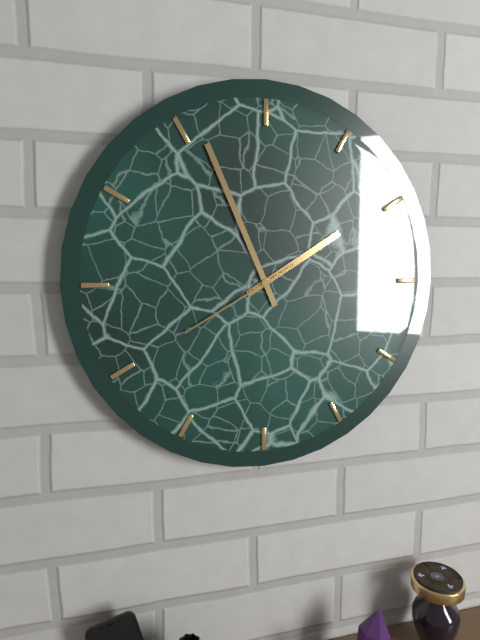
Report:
1,56,40
